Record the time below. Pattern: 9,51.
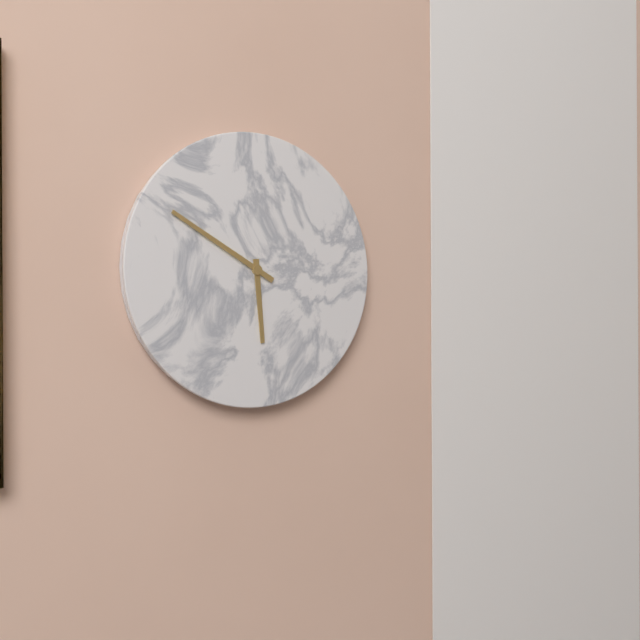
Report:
5,50
